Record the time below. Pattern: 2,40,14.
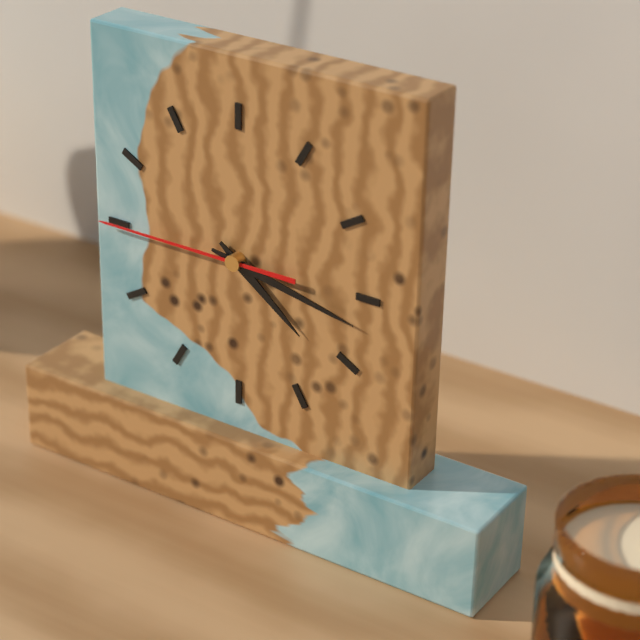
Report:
4,17,45
